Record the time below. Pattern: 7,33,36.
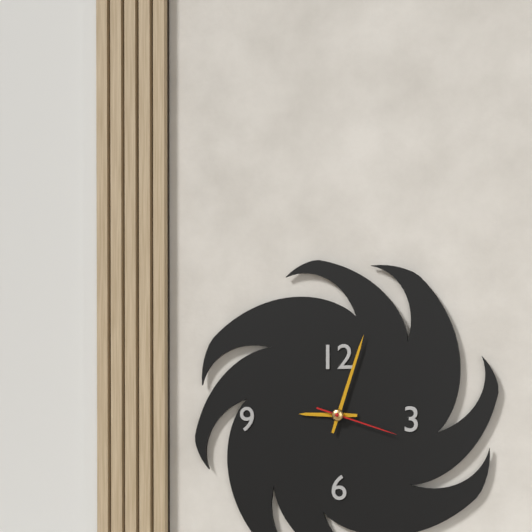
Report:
9,03,18
